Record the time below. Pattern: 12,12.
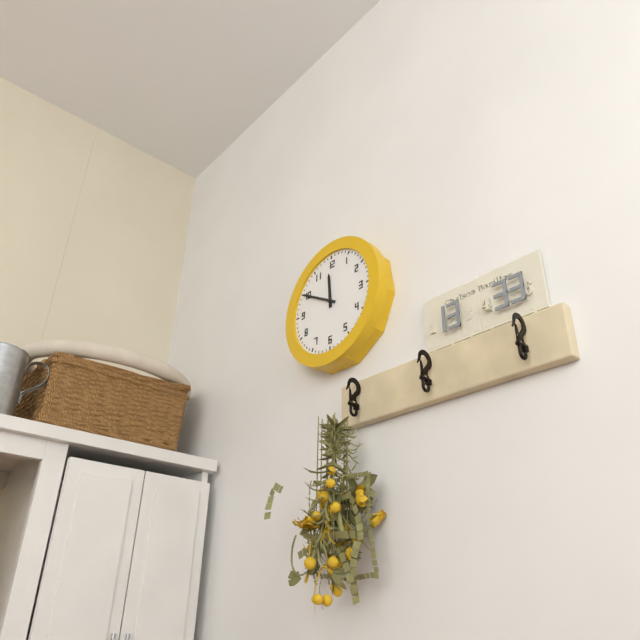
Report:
11,50
